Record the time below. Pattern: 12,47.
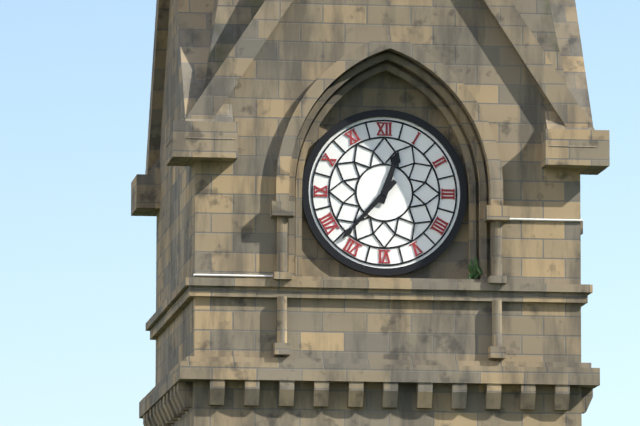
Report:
12,37
